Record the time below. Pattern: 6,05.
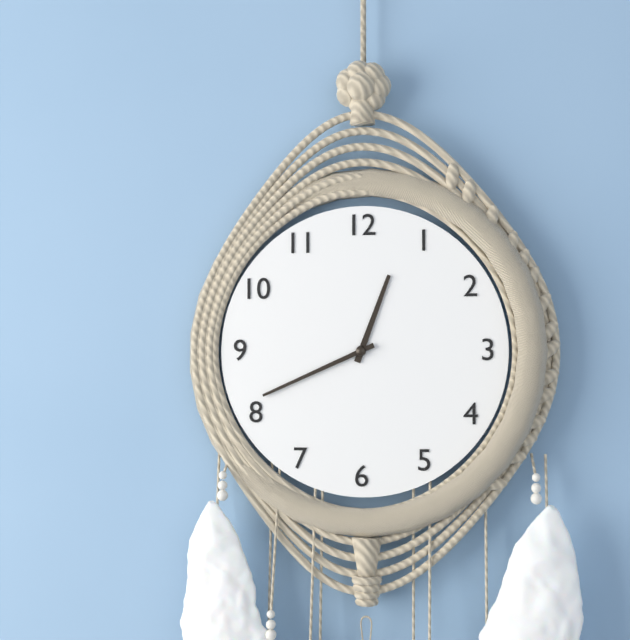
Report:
12,41
